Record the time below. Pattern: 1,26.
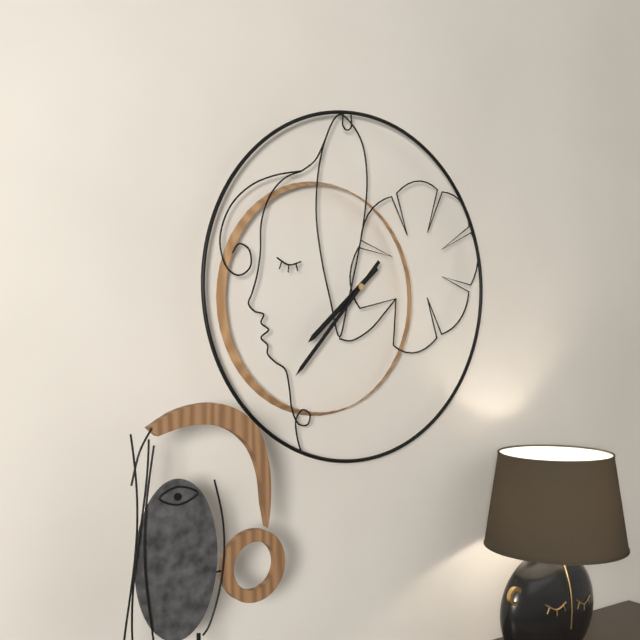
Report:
7,37
